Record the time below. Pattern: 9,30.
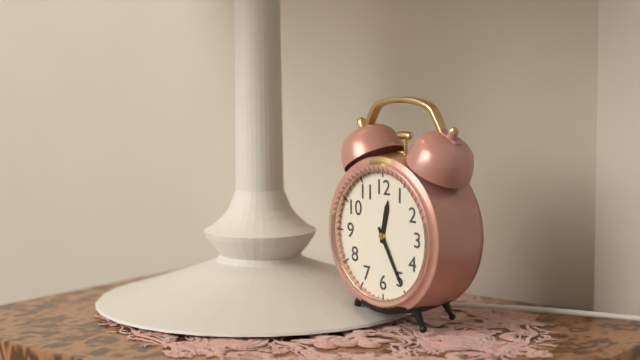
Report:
12,25
